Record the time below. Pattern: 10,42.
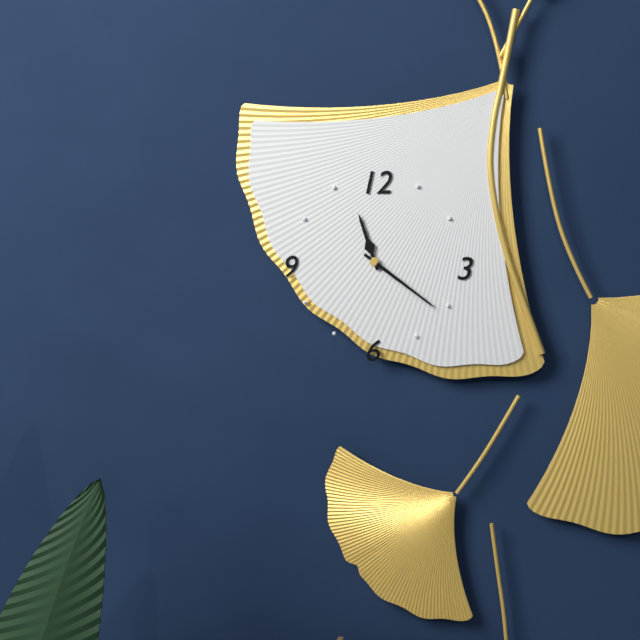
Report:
11,21
